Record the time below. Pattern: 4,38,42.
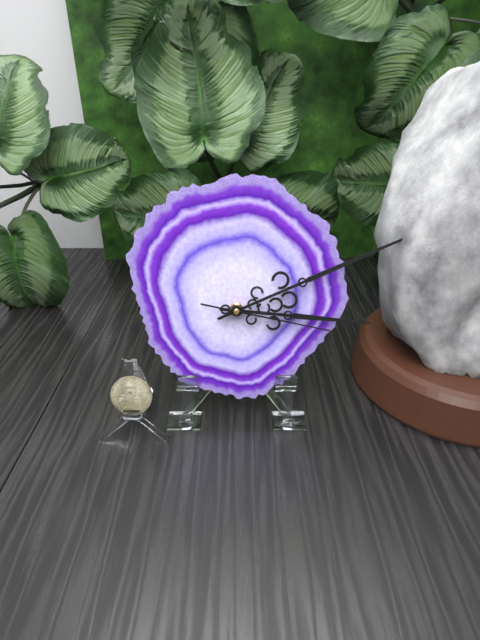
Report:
3,11,17
